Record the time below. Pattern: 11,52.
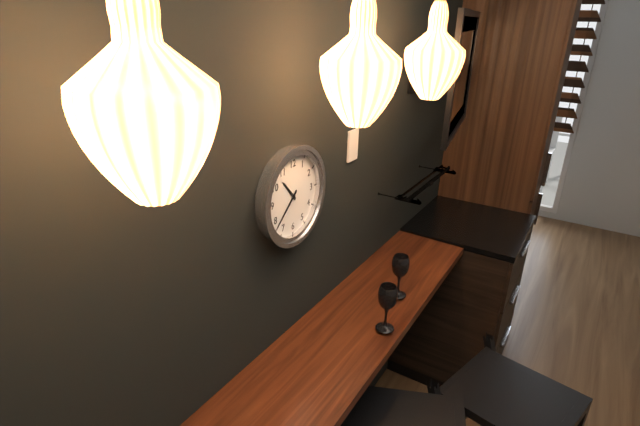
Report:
10,38
